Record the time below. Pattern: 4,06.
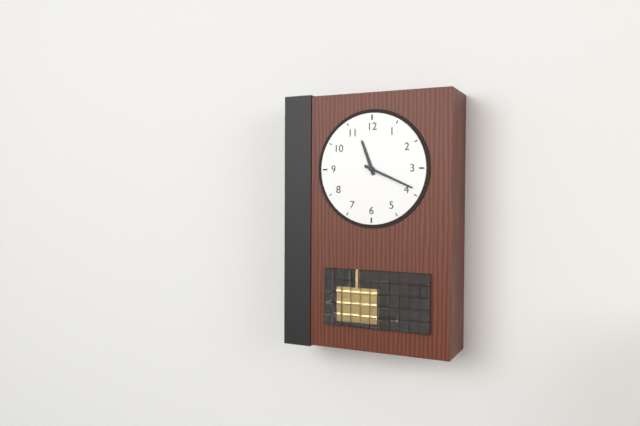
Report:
11,19
